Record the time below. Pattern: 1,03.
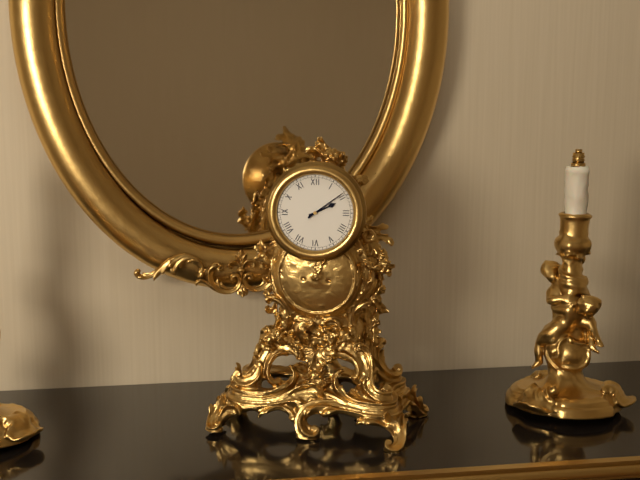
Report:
2,09
